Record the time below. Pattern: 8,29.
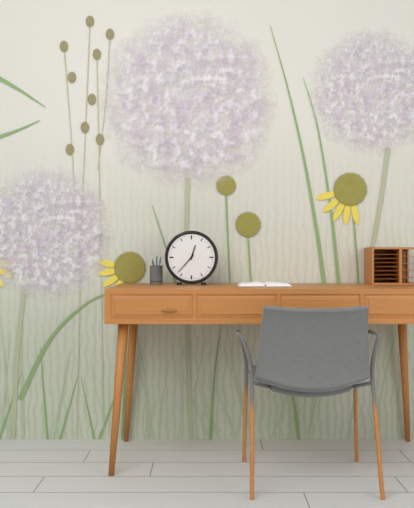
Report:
12,37
